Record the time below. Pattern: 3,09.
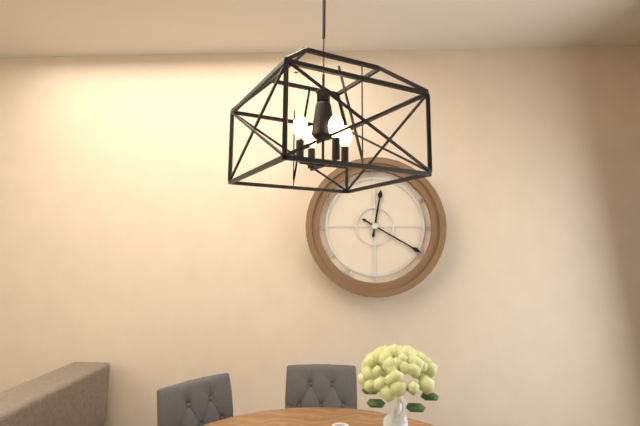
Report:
12,20
